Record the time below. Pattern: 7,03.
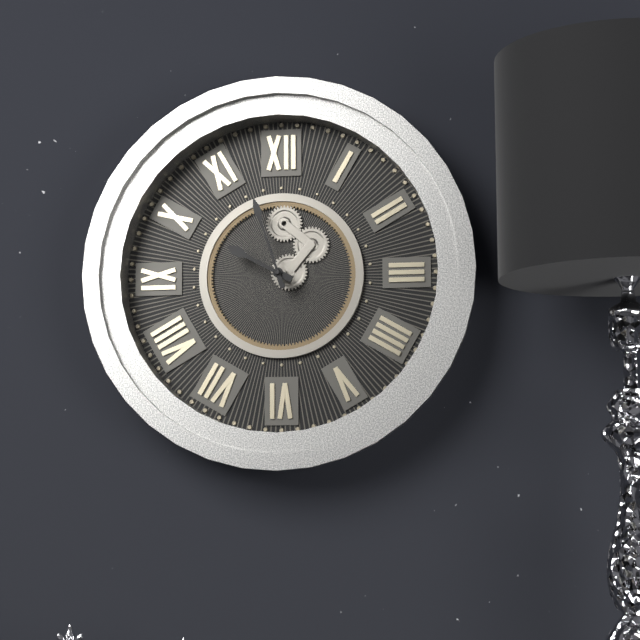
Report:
9,57
